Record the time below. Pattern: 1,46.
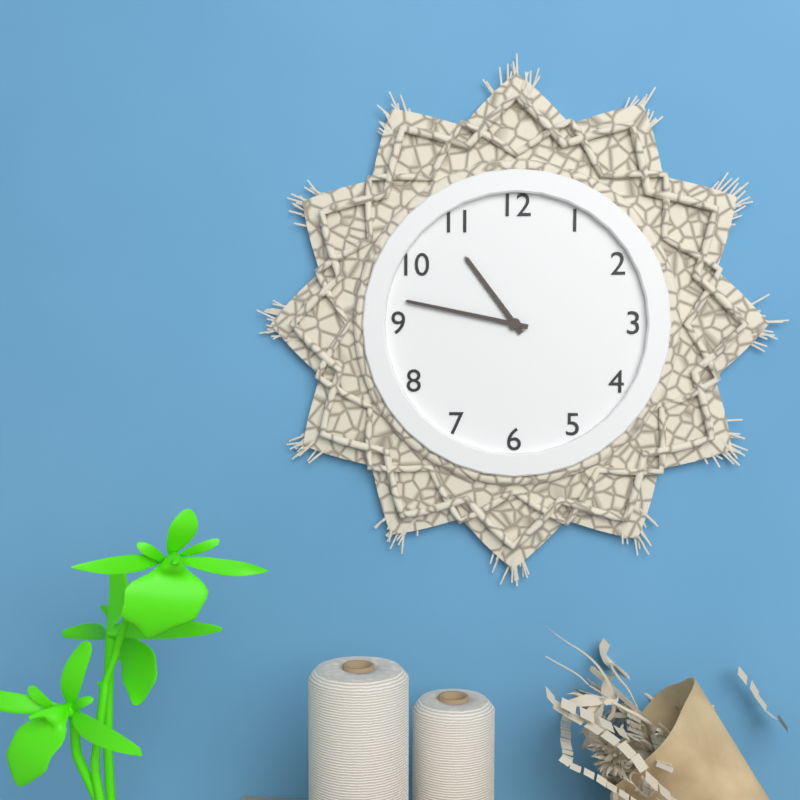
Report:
10,47
